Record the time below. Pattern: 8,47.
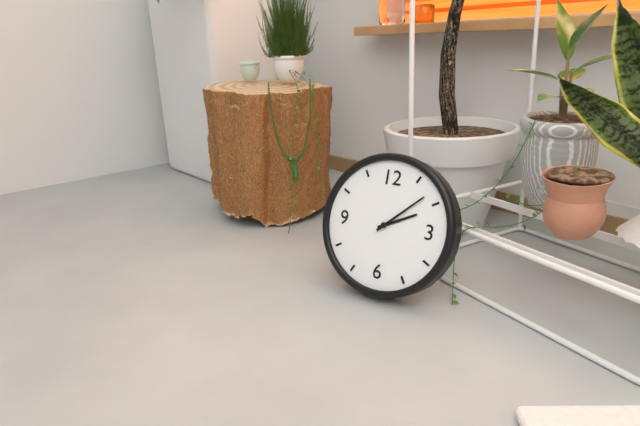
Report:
2,08
